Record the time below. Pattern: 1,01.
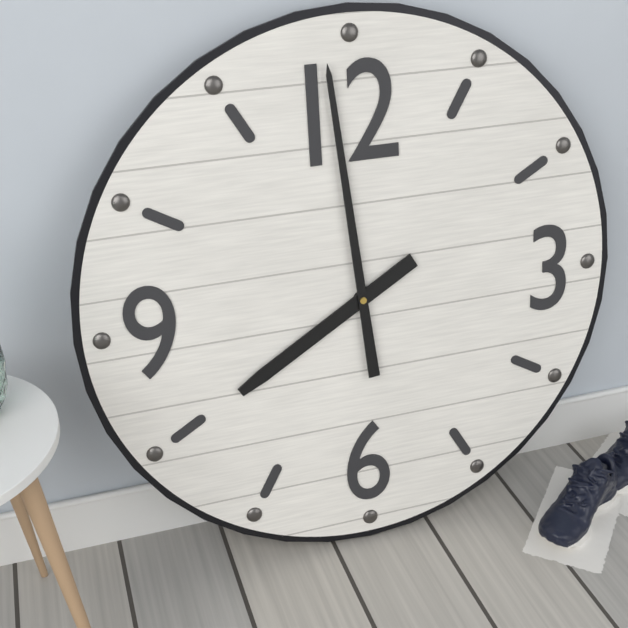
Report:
7,59
